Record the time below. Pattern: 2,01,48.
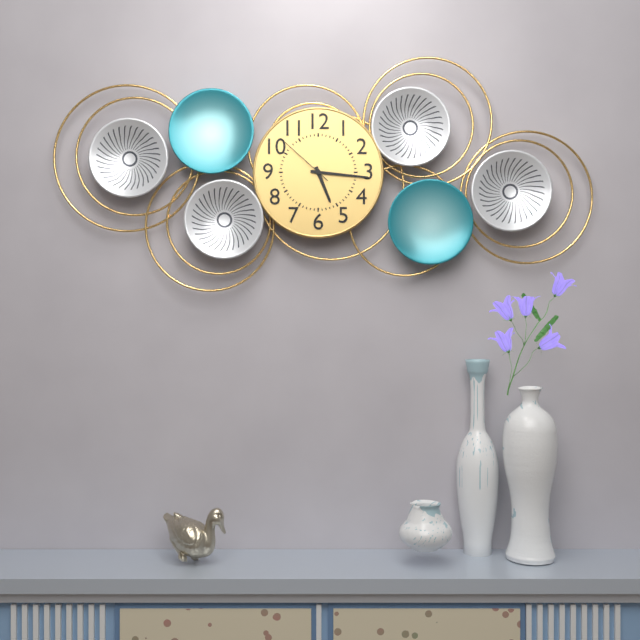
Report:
5,16,52
